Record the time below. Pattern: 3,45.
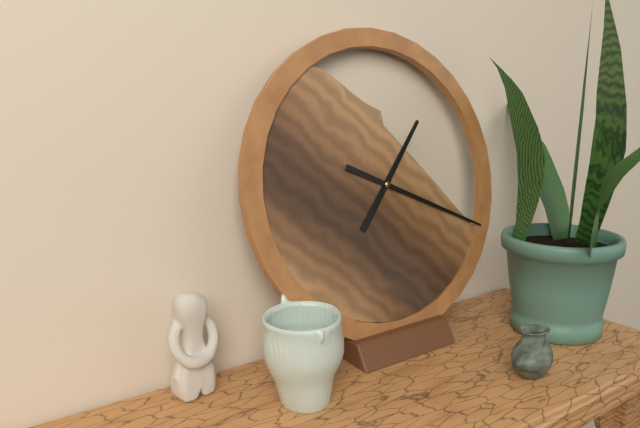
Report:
1,19
